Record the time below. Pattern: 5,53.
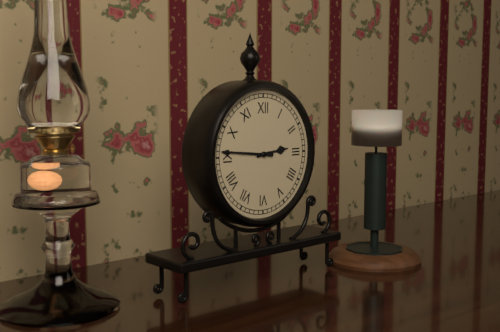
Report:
2,46
